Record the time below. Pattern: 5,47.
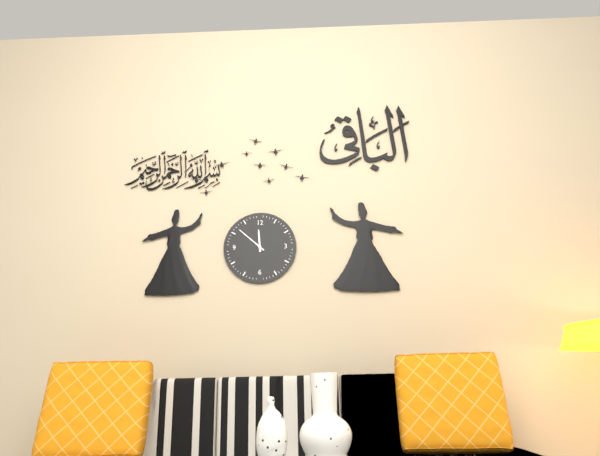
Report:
11,52
